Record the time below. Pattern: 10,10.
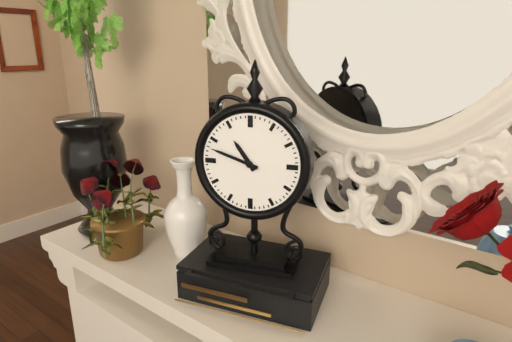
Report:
10,48
